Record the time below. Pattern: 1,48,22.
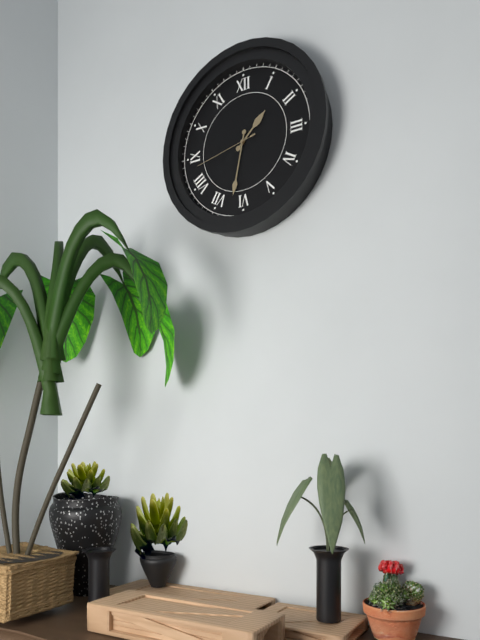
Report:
1,32,43
